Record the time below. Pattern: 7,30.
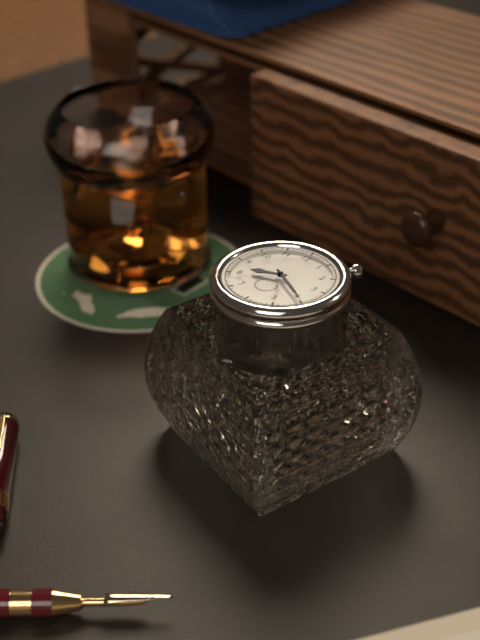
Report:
8,20
